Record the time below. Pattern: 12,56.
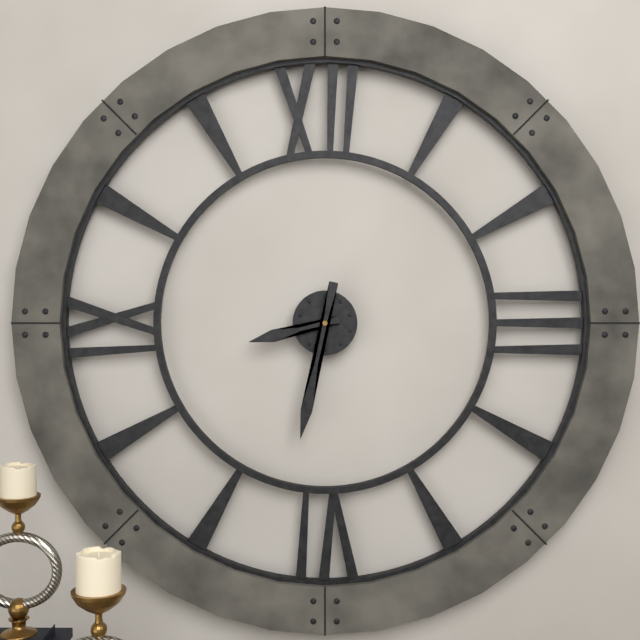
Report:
8,32
